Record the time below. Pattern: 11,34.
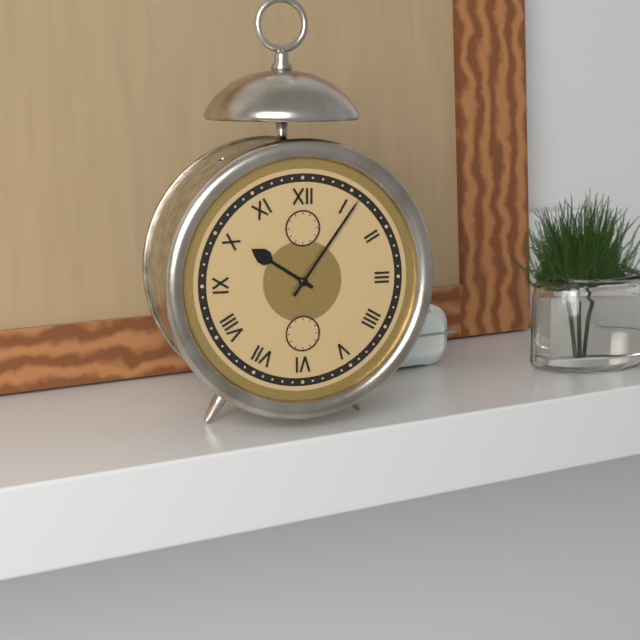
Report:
10,06
